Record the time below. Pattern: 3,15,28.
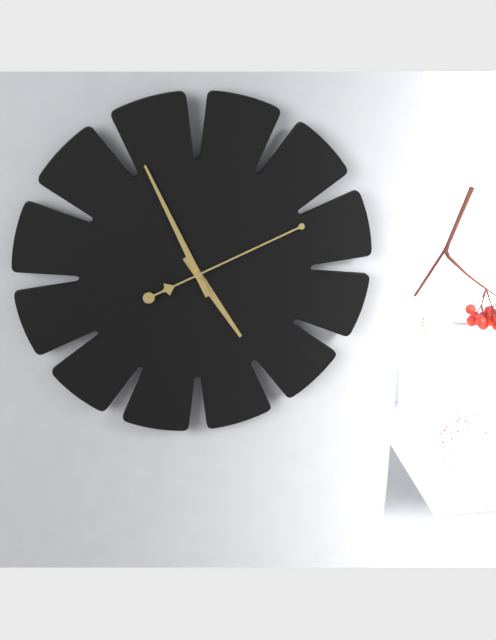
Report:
4,56,11
